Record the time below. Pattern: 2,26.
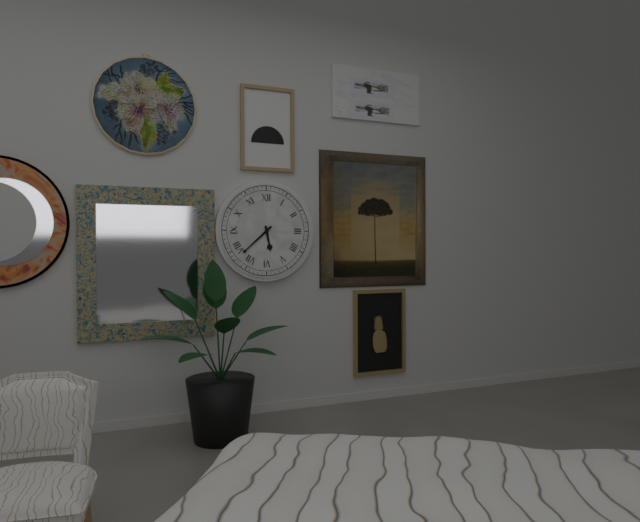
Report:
5,38
